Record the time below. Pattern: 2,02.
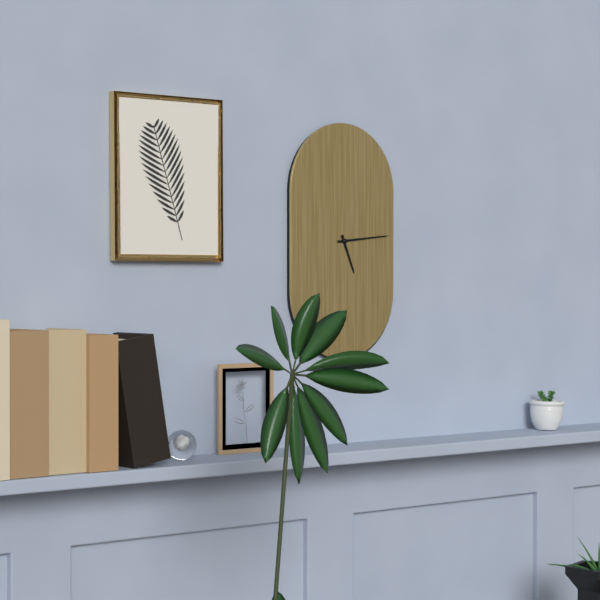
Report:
5,14
